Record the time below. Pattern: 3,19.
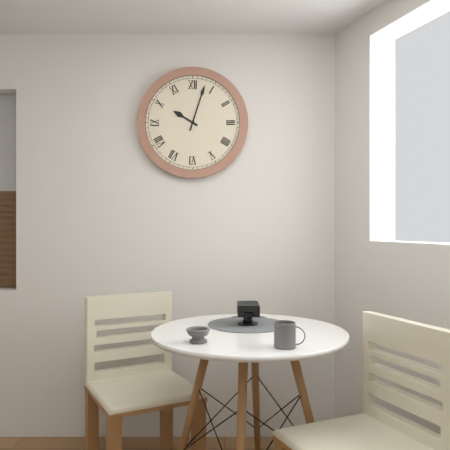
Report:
10,03
